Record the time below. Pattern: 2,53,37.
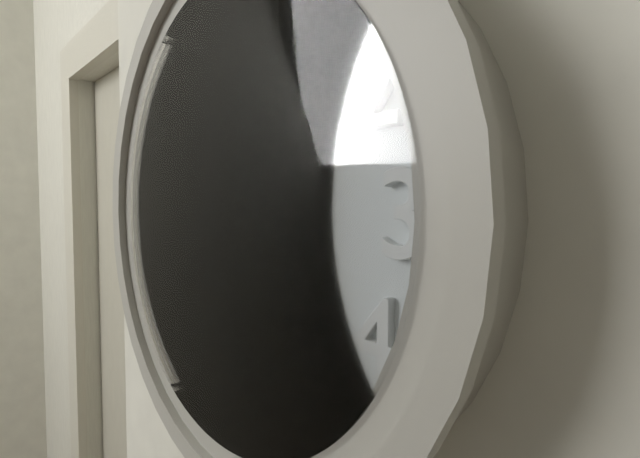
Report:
5,09,07
